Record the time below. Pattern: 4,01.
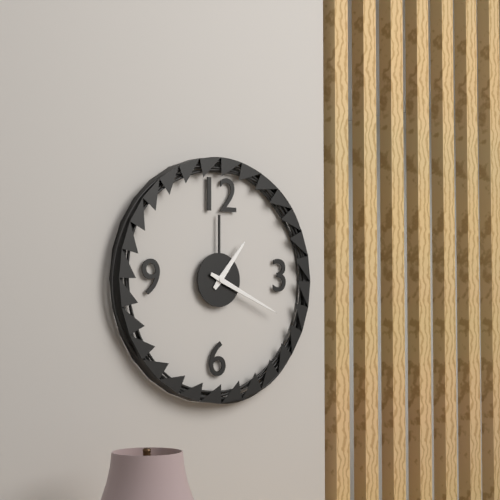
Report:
1,19
